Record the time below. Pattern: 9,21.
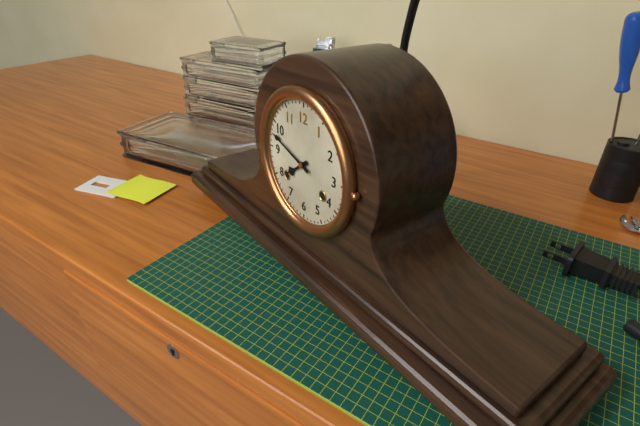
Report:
7,48
